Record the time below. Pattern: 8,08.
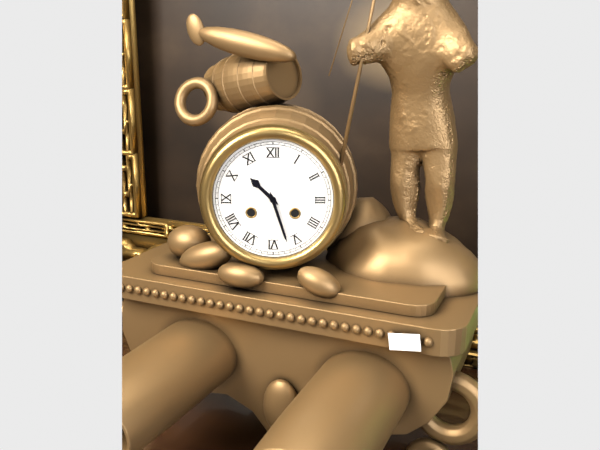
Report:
10,27
